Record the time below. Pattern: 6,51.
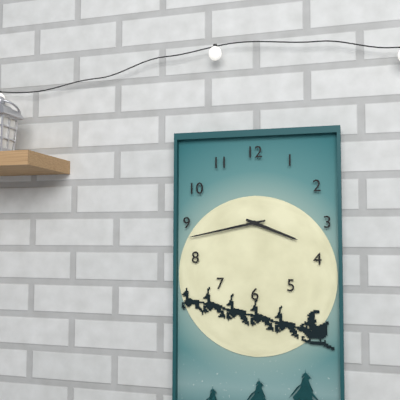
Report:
3,43
